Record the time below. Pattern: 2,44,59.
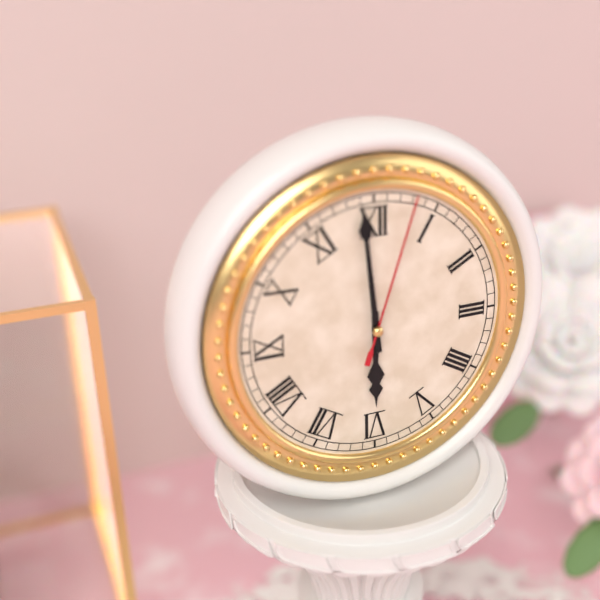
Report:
5,59,03
